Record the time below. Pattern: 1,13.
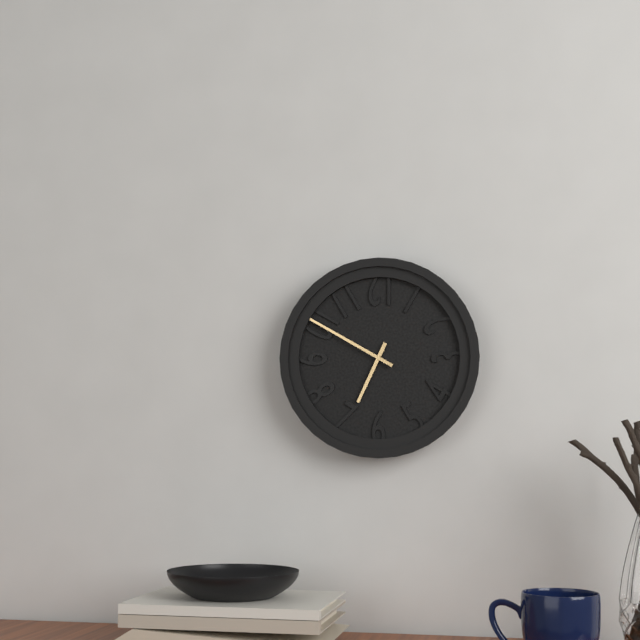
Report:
6,50
